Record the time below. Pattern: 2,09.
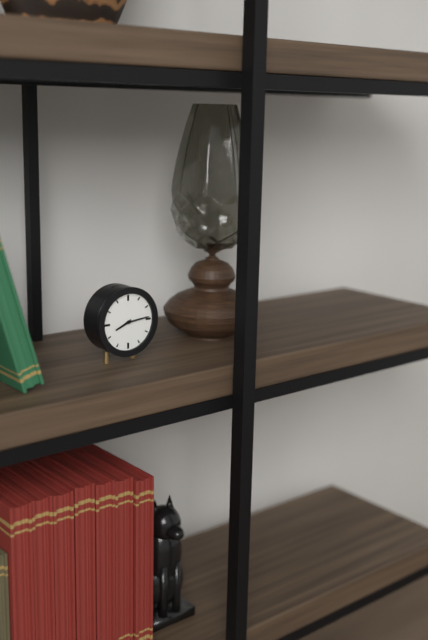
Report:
8,14
